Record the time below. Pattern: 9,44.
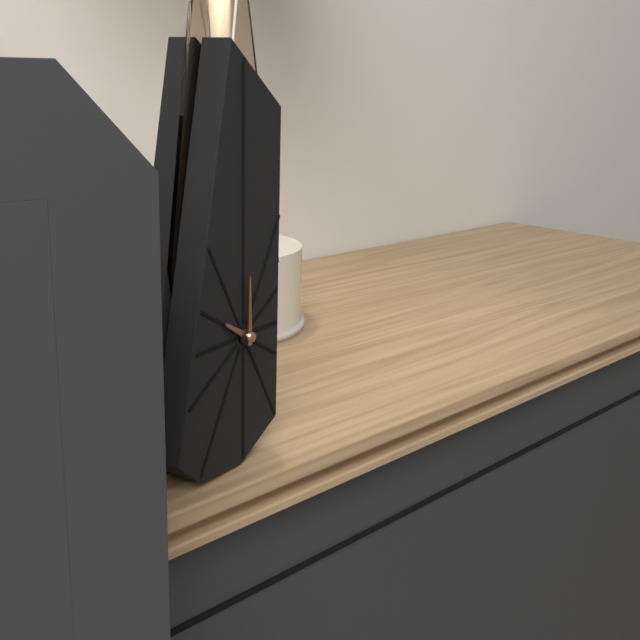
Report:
10,00
